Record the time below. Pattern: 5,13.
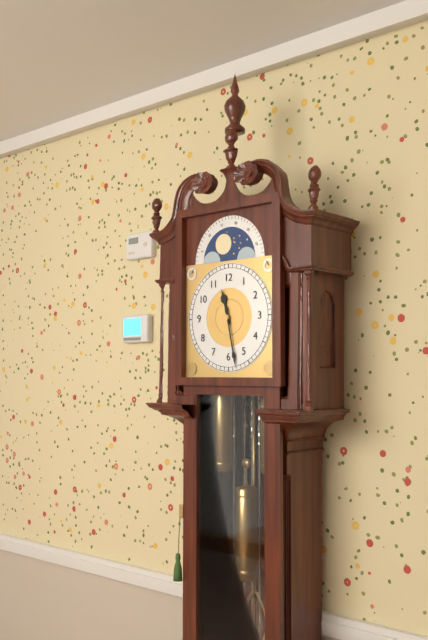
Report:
11,28
